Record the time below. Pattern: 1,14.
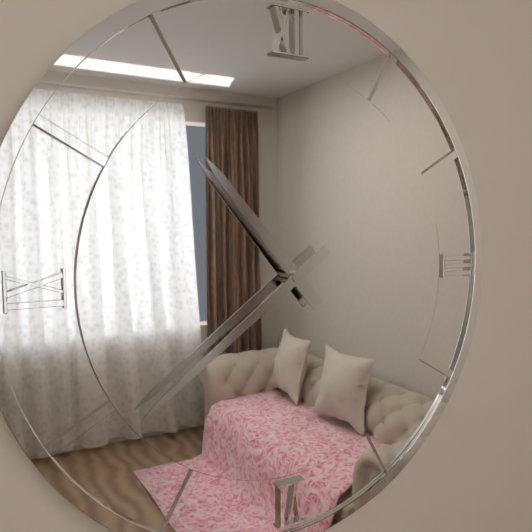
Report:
10,39
